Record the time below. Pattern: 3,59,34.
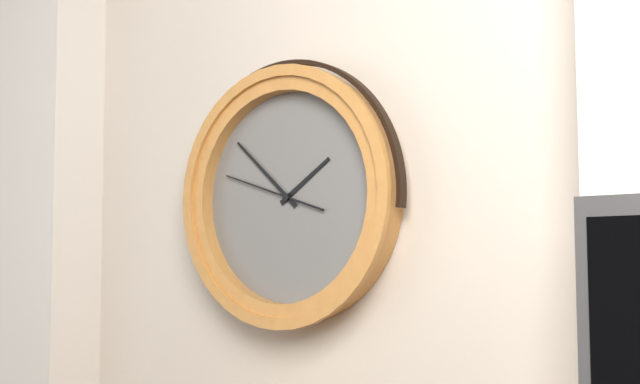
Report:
1,52,48
